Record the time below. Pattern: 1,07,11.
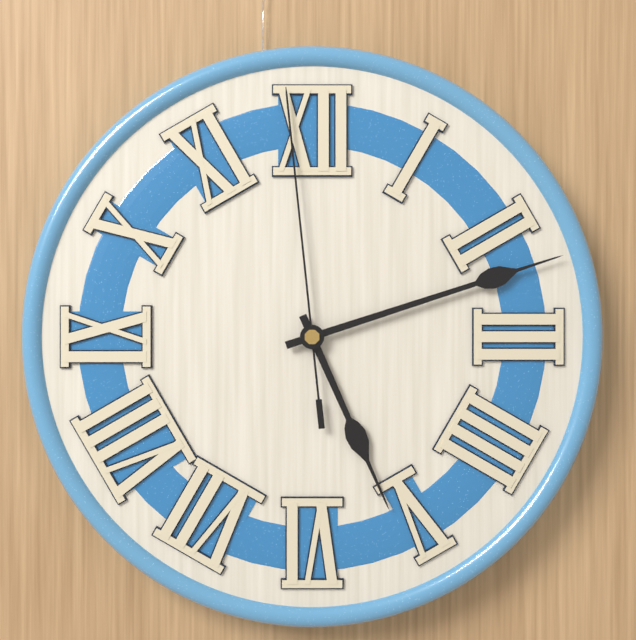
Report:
5,12,59
